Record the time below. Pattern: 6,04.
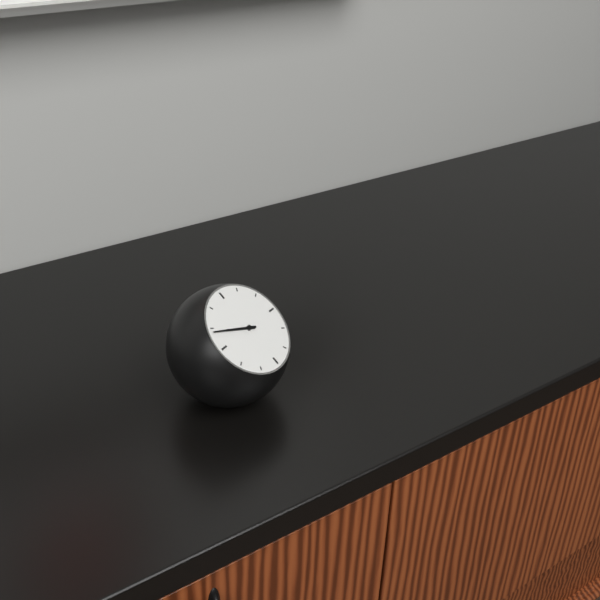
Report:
9,49
